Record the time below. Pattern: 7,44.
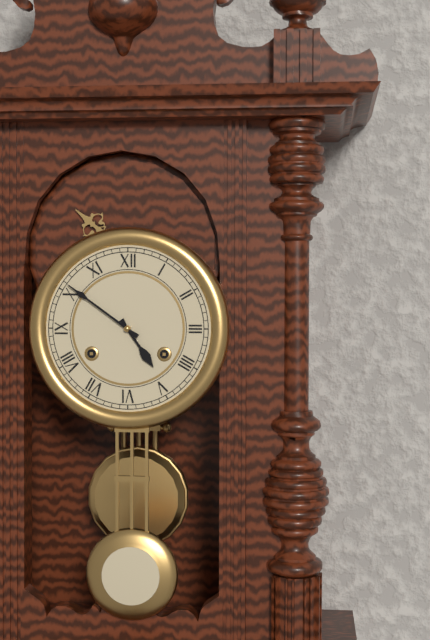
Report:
4,51
